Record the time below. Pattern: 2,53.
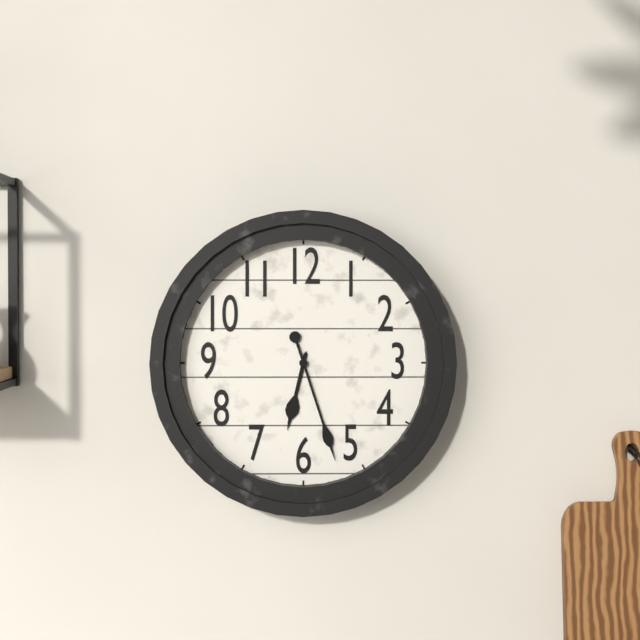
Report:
6,27
